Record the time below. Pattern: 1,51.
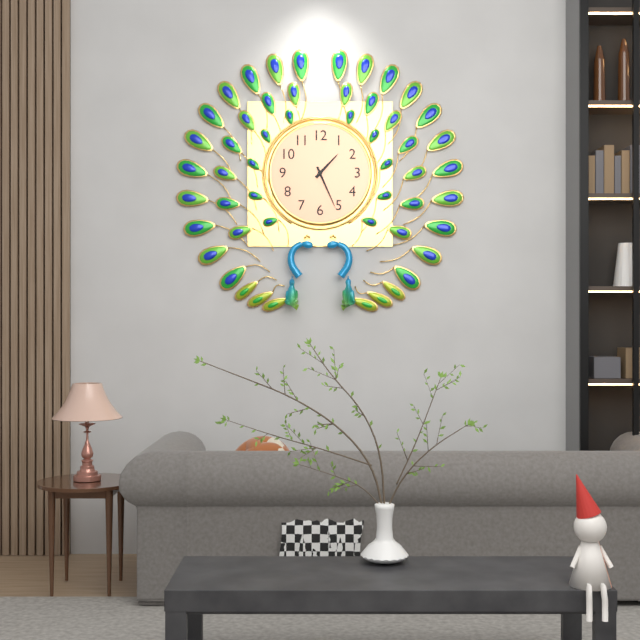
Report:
1,26
